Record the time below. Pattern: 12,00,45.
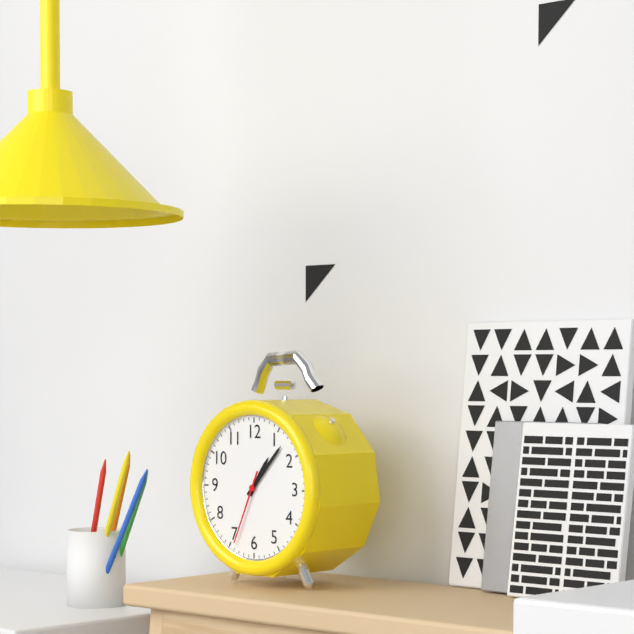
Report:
1,07,34
